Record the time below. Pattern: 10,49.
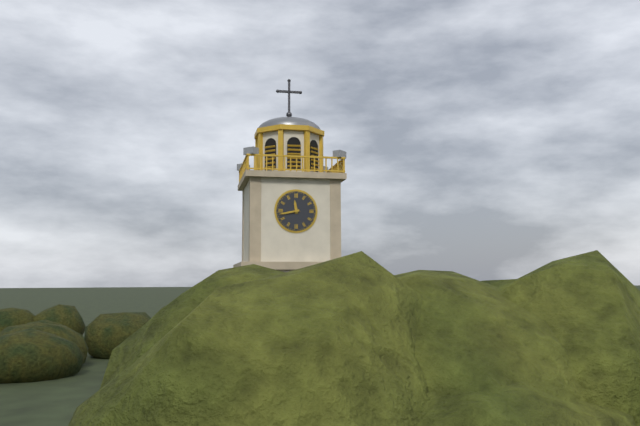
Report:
11,43
